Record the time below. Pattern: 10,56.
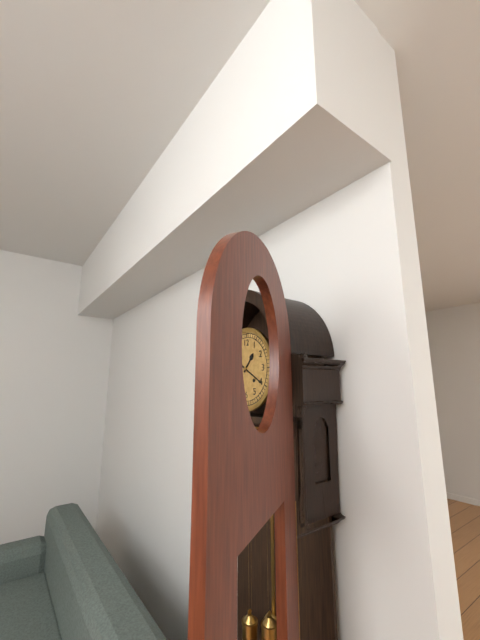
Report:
1,20
